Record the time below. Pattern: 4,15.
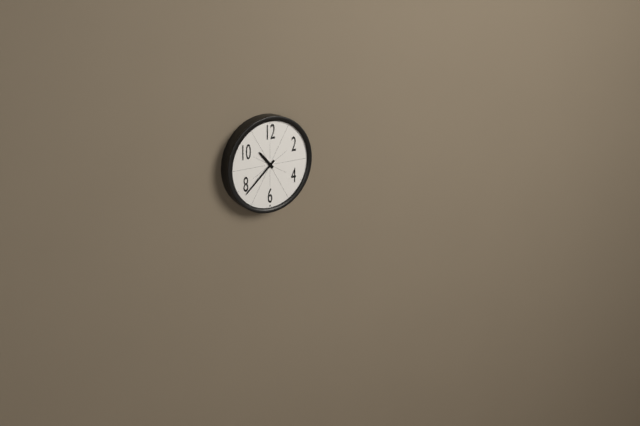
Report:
10,38
